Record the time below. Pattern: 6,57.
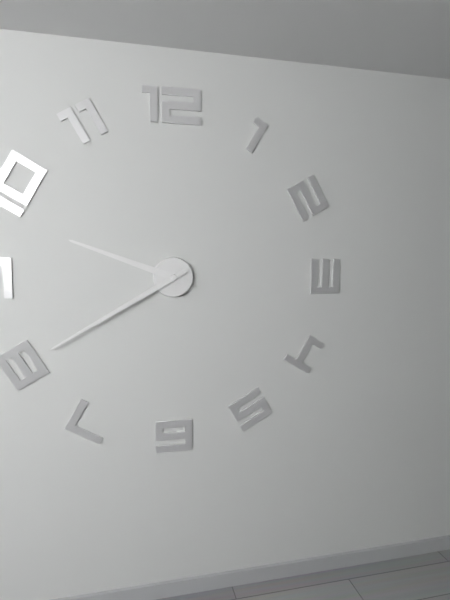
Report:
9,40
